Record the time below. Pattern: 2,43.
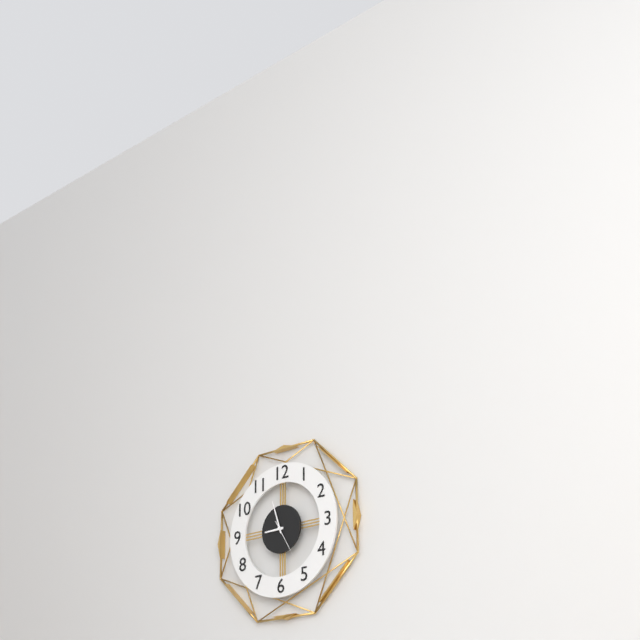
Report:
8,57
